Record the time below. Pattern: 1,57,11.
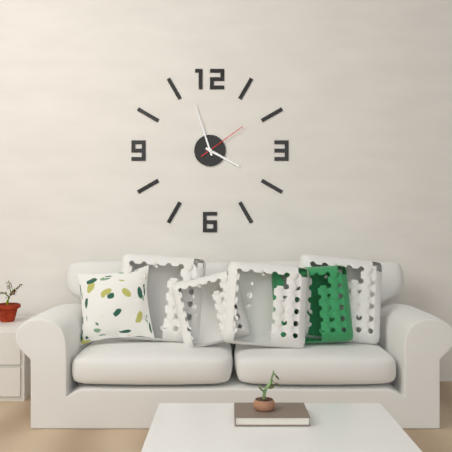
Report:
3,57,09
